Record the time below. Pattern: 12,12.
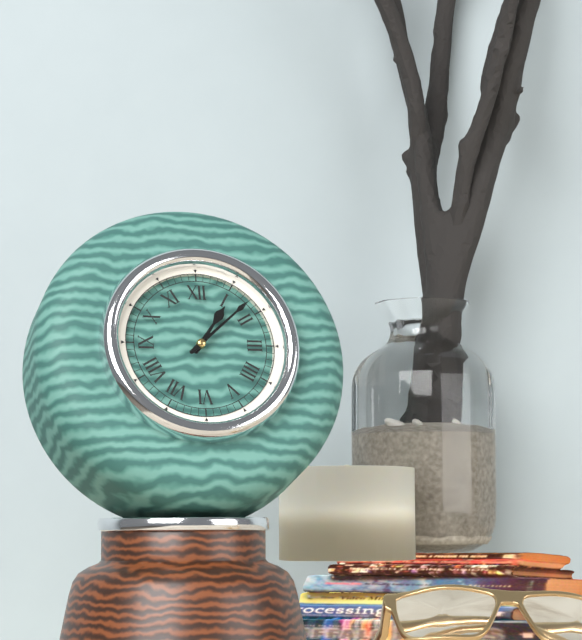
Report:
1,08
